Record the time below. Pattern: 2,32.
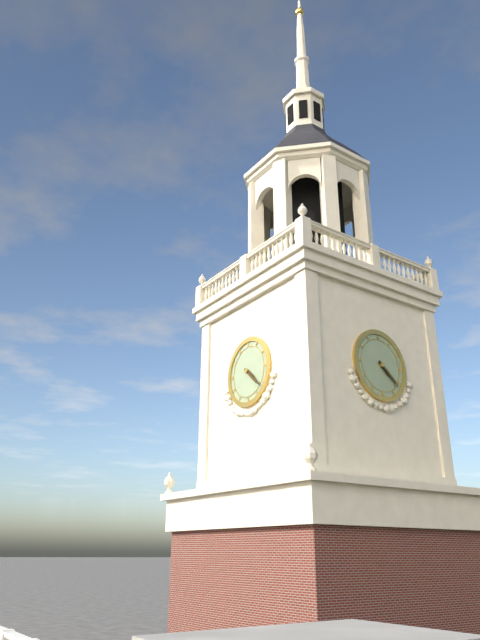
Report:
4,22
